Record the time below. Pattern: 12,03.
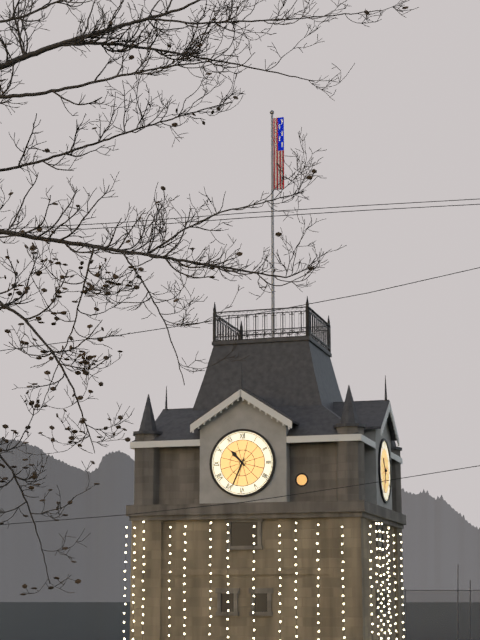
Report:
10,34
